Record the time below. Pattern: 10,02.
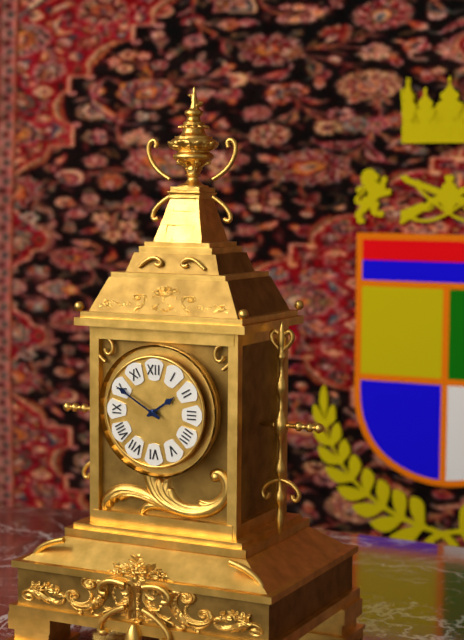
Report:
1,50
